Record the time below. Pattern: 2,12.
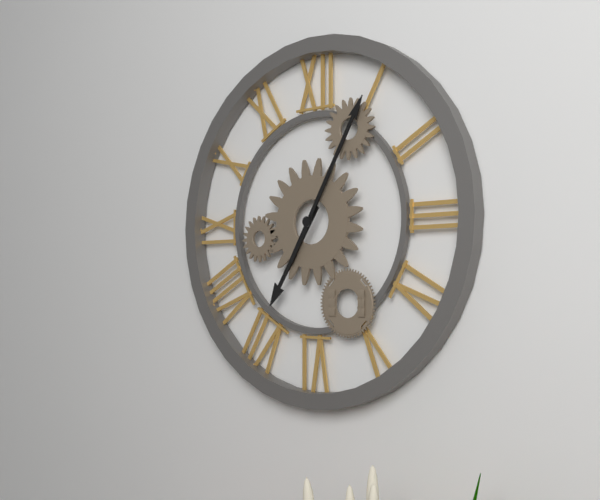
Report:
7,05
